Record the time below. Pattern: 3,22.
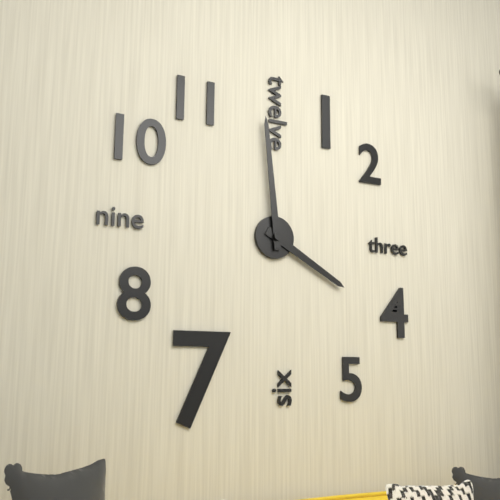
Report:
3,59
